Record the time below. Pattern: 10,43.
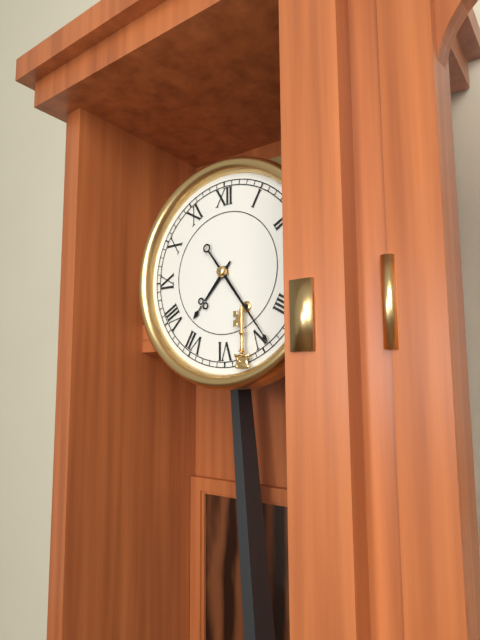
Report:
7,24
